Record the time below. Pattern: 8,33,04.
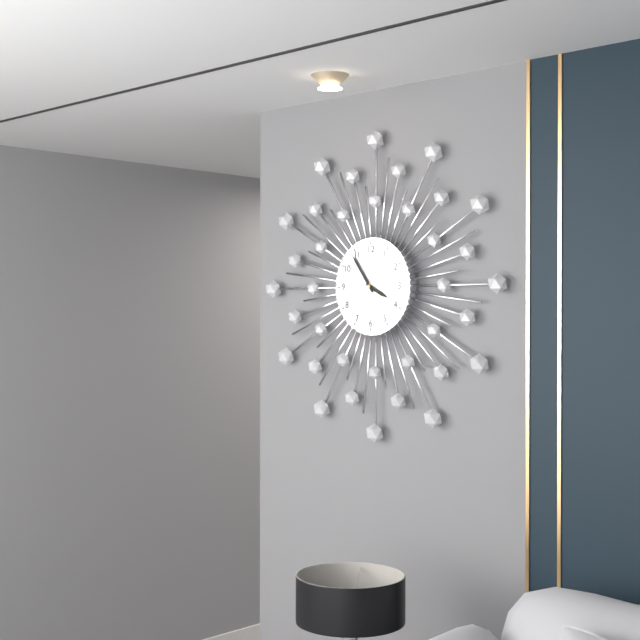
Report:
3,54,34
